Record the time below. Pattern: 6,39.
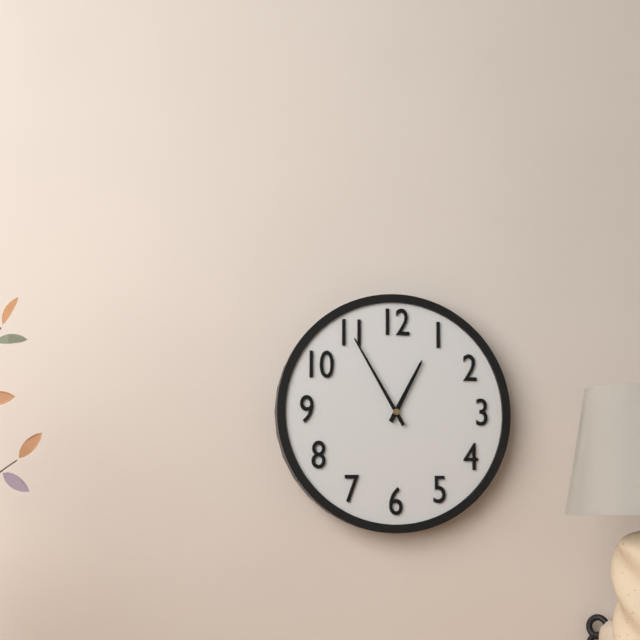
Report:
12,55
